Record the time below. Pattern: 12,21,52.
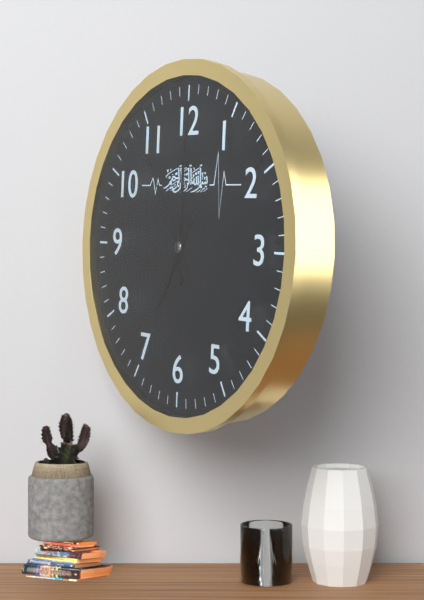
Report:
7,00,54
